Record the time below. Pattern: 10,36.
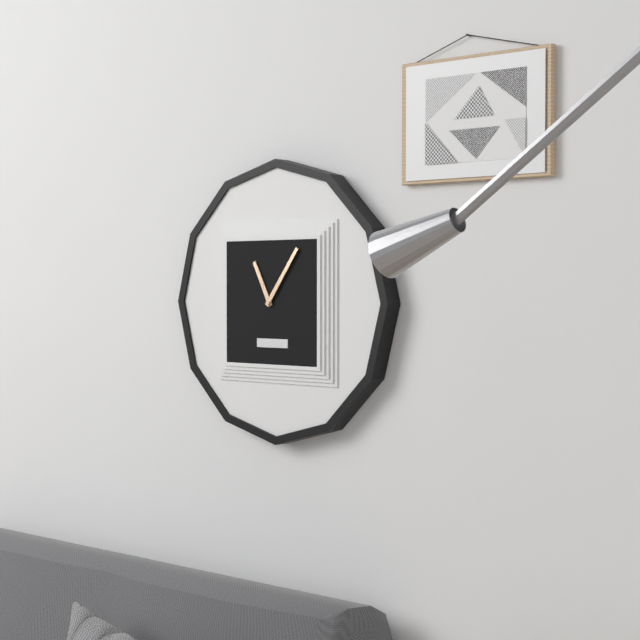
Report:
11,06
